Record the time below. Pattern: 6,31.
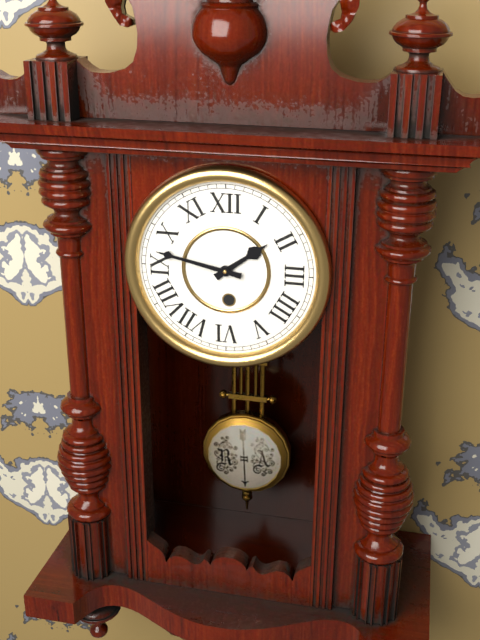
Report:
1,47
